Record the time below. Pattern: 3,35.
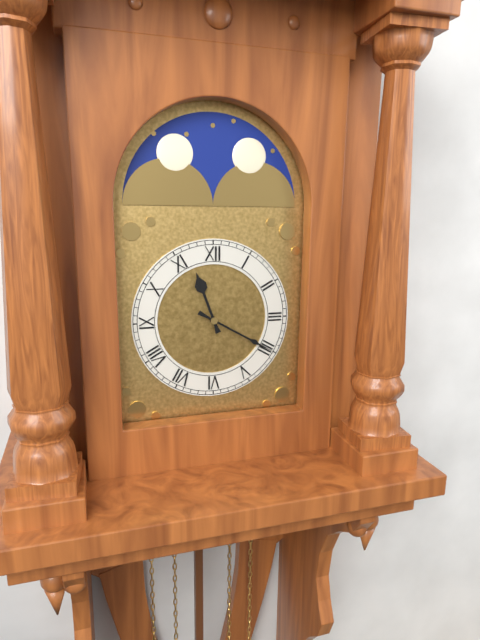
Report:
11,20
